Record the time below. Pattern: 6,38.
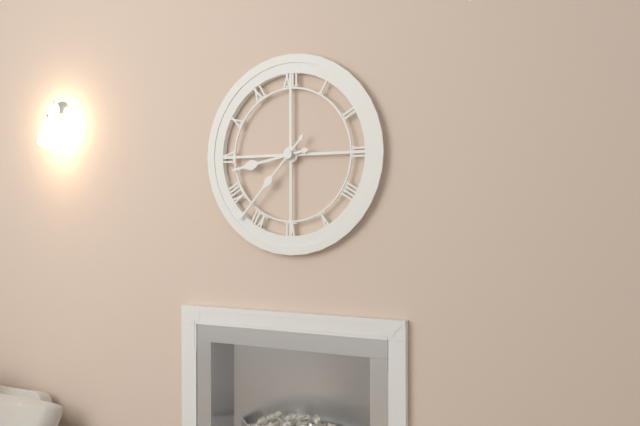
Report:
8,37
